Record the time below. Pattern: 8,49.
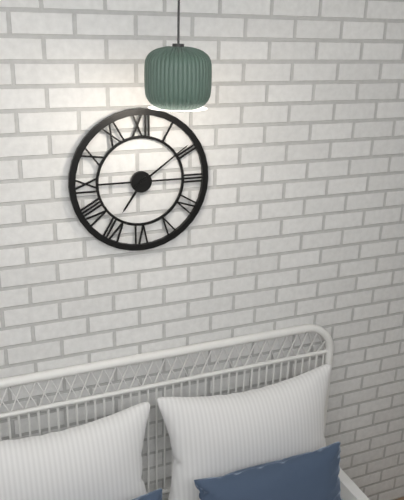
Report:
7,09
